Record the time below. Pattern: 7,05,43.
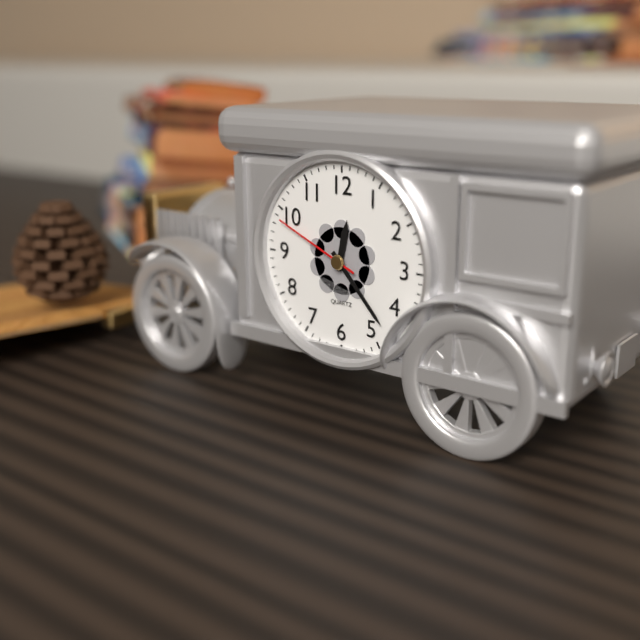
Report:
12,23,49
